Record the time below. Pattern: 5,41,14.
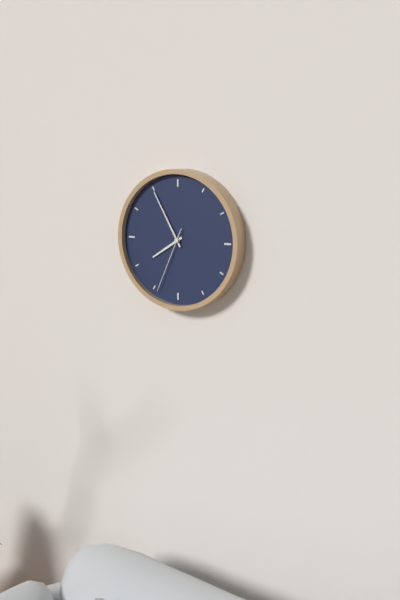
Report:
7,55,34
